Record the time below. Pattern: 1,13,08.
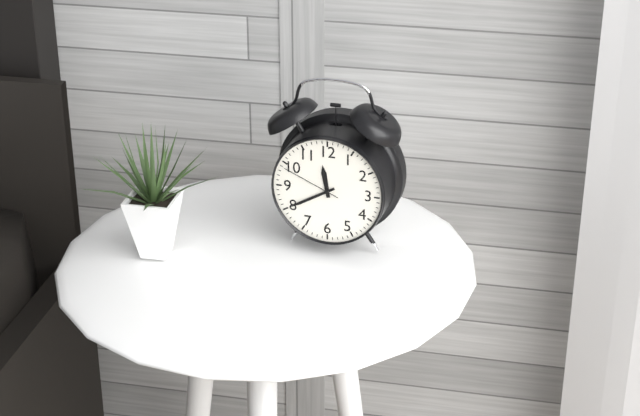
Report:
11,40,49
